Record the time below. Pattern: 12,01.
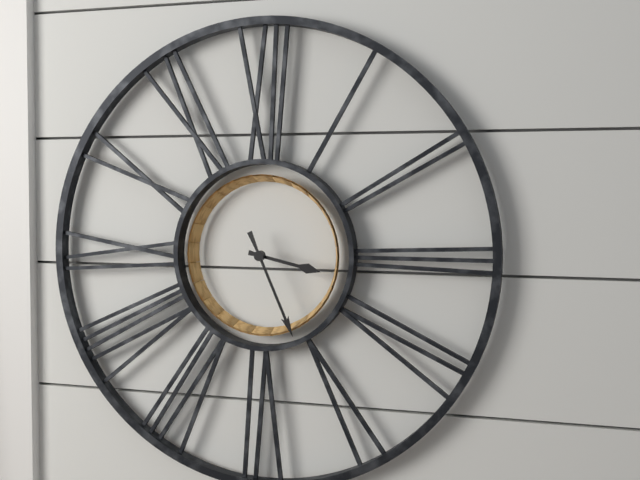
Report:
3,26
